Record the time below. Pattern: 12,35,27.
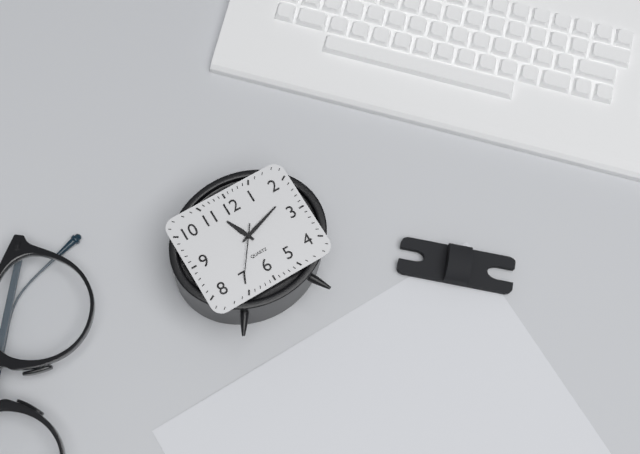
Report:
11,12,36
